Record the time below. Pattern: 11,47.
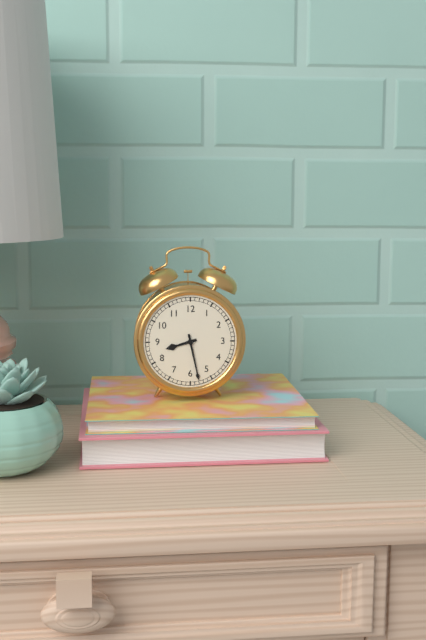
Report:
8,28
